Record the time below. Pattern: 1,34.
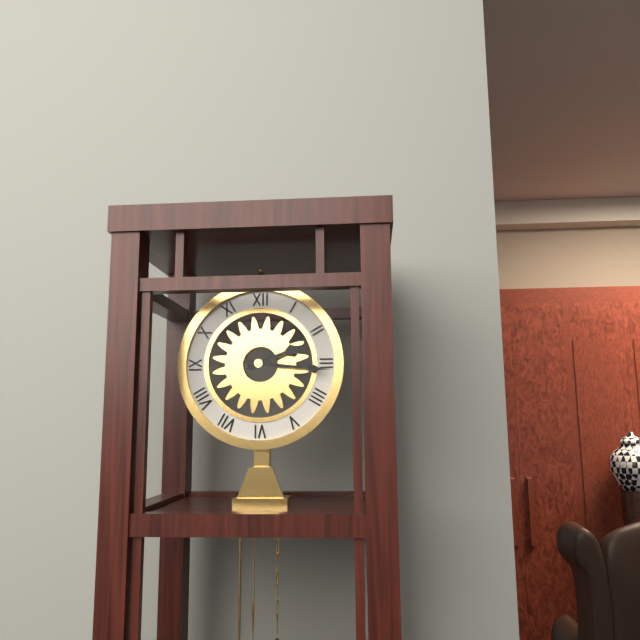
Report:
2,16
